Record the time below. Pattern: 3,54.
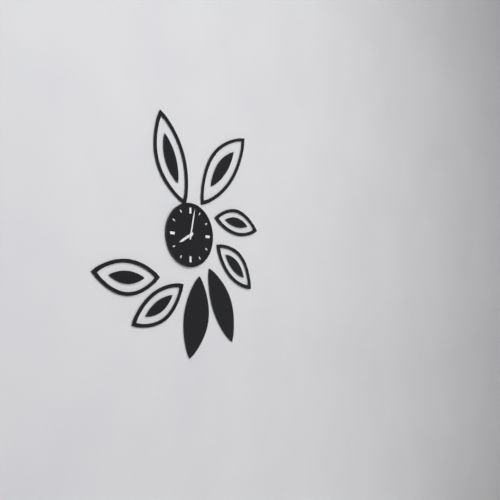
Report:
8,02
